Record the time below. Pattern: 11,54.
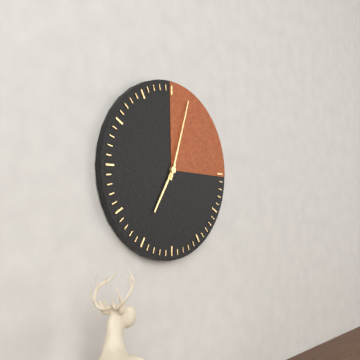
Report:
7,03
